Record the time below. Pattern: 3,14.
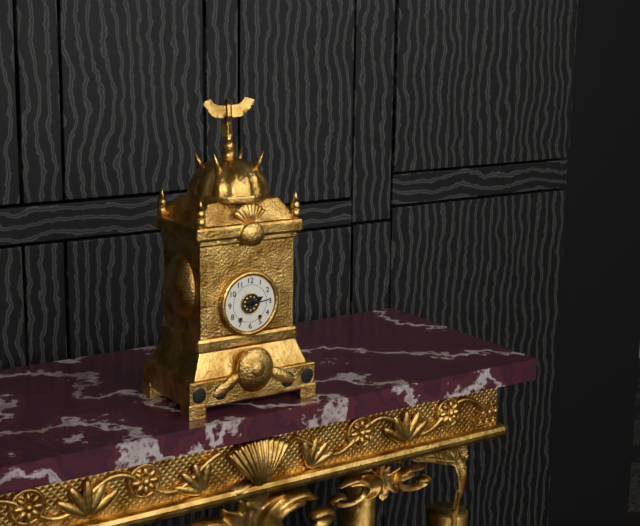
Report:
2,14
